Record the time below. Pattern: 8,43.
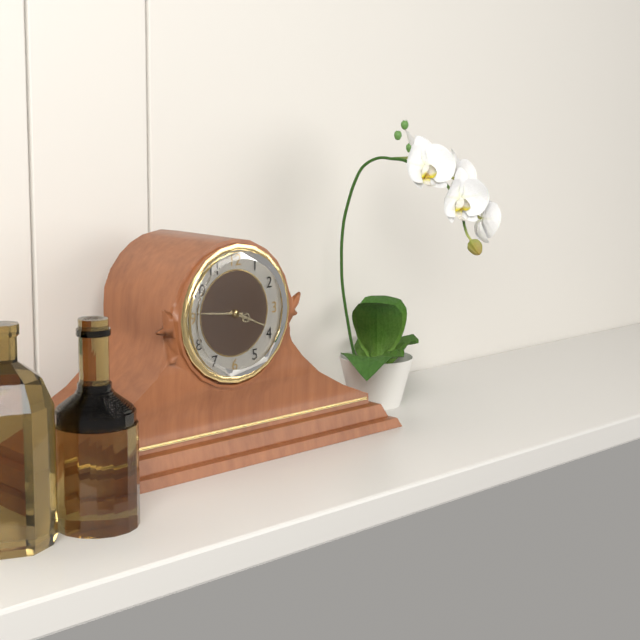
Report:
3,46
